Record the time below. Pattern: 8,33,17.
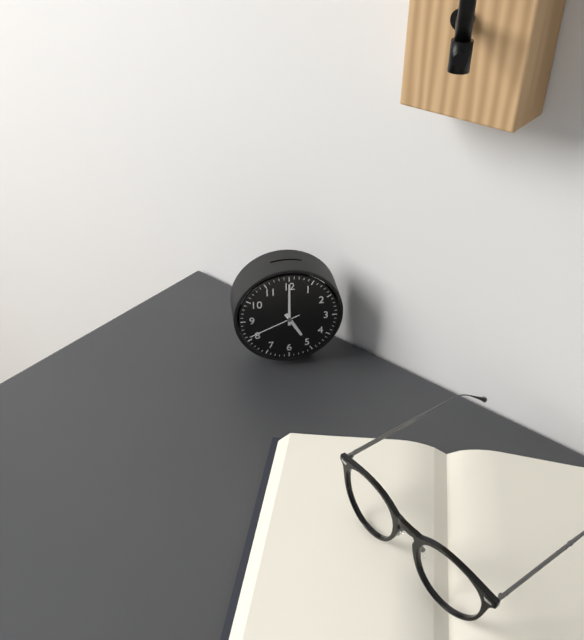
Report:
5,00,41
